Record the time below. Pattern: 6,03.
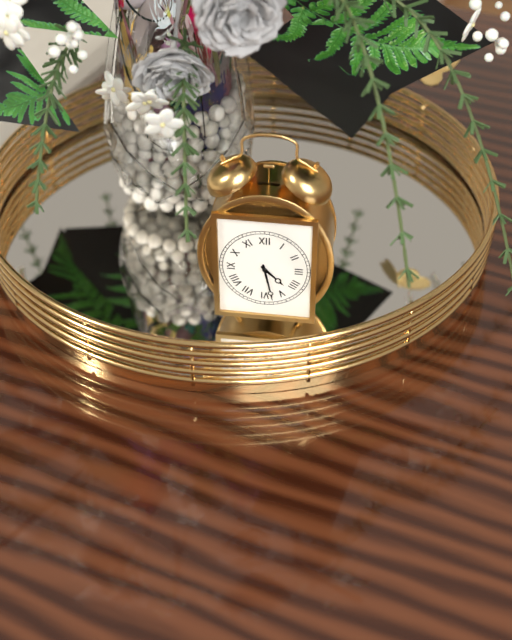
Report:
4,28
